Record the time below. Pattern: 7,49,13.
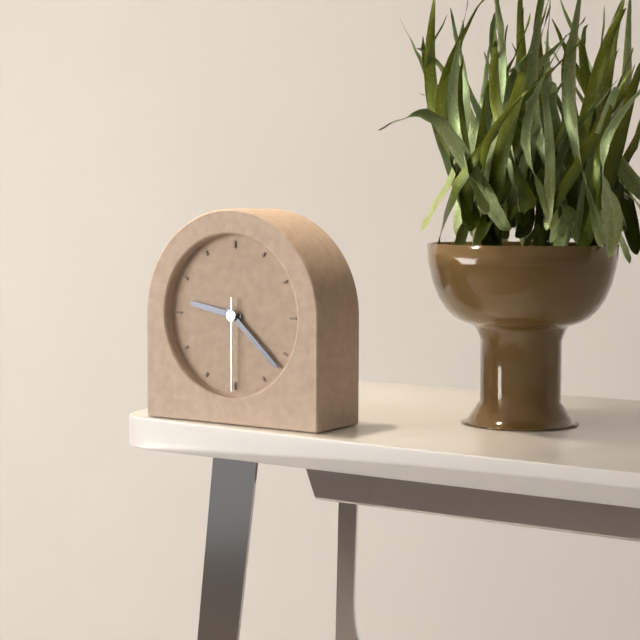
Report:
9,22,30
